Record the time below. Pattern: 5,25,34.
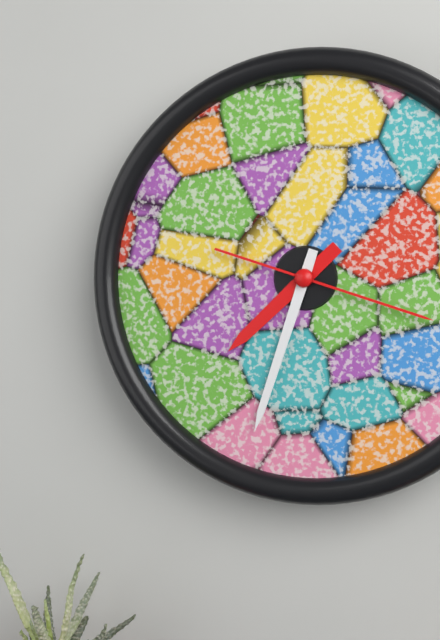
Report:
7,33,18
